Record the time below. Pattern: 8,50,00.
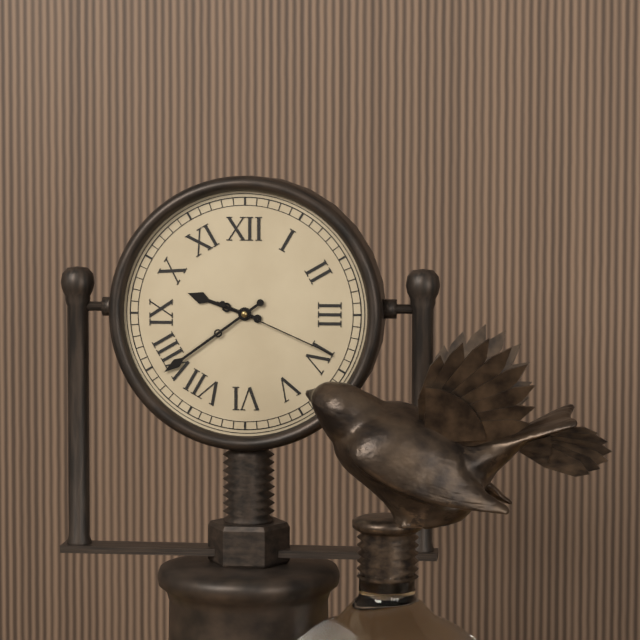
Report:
9,39,19
